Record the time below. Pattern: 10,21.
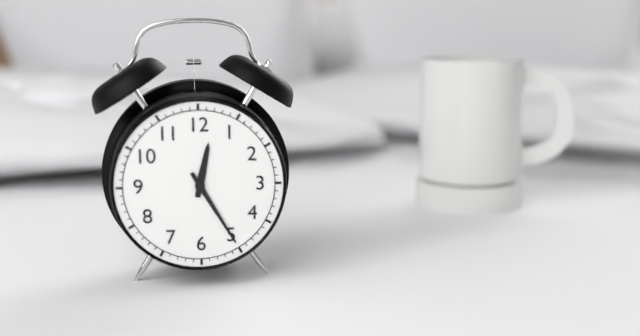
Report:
12,25
